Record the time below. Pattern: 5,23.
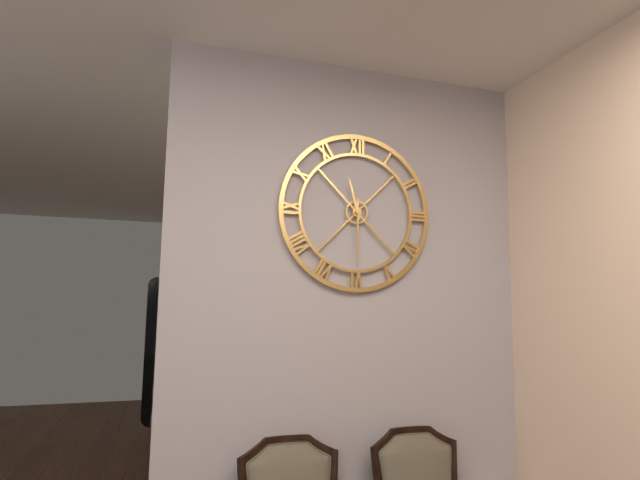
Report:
11,30
